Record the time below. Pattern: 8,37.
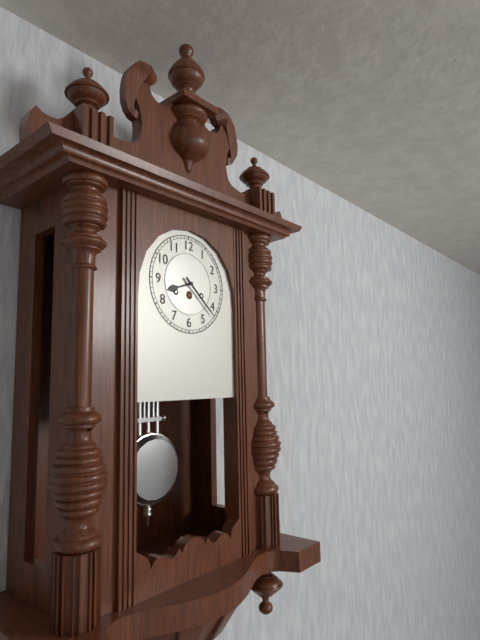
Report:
8,22
